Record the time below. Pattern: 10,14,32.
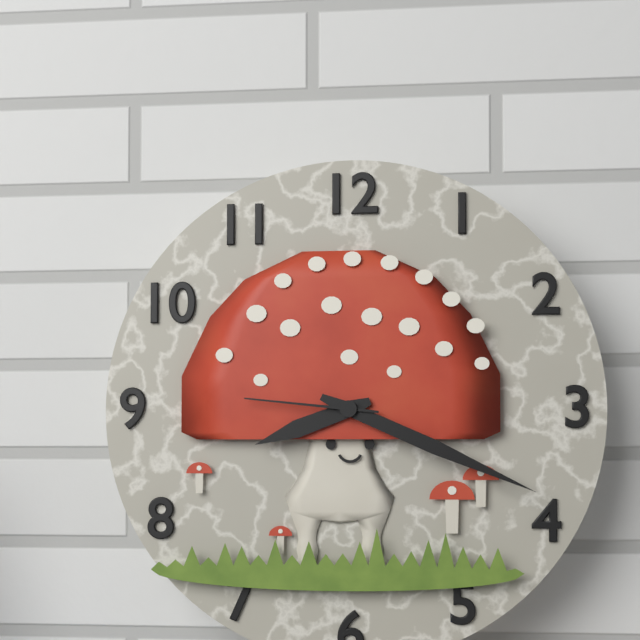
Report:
8,19,46
